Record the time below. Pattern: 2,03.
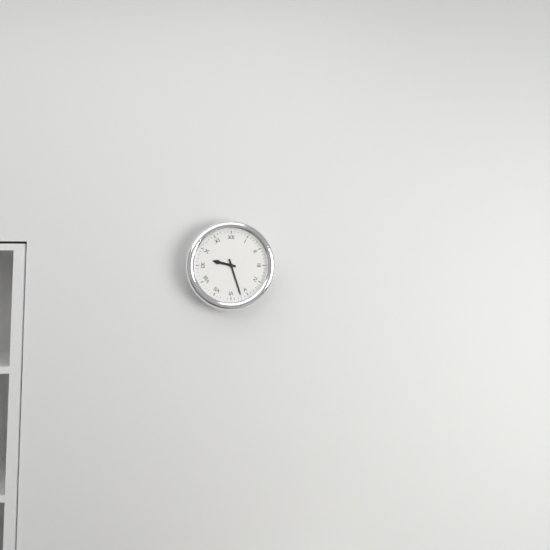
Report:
9,27
